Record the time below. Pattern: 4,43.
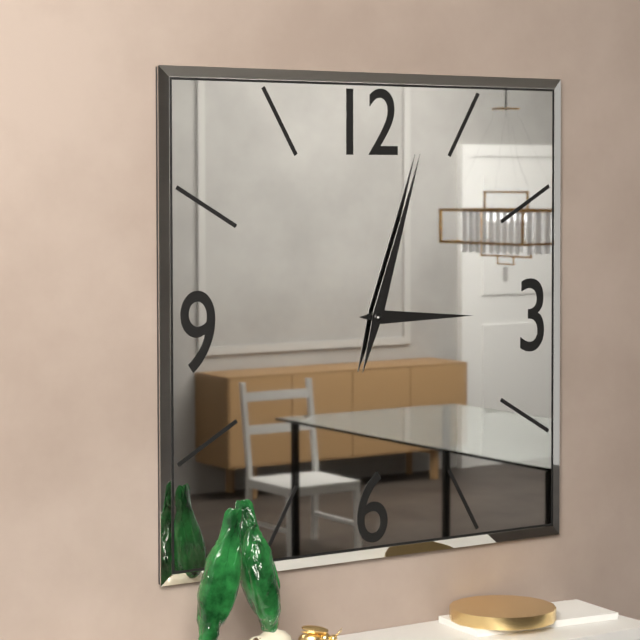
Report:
3,03
